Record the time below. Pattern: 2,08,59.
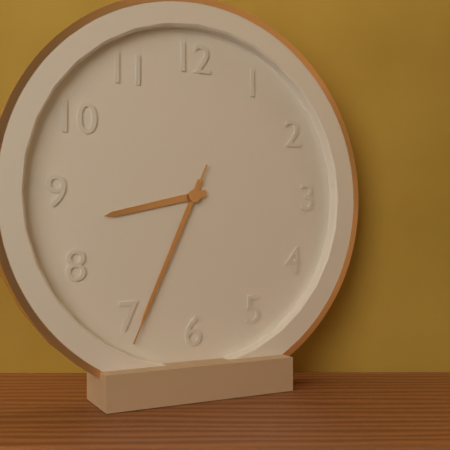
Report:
8,34,34
